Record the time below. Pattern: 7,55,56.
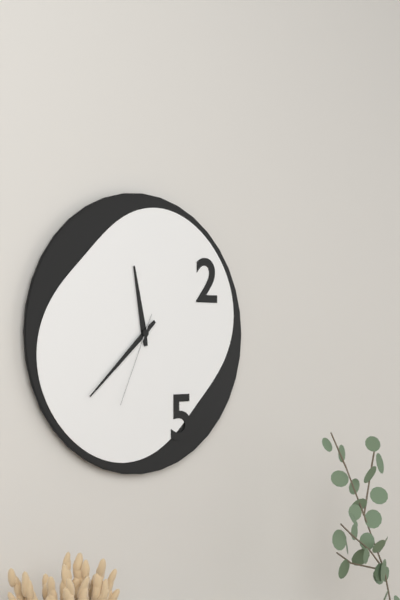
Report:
11,38,34
